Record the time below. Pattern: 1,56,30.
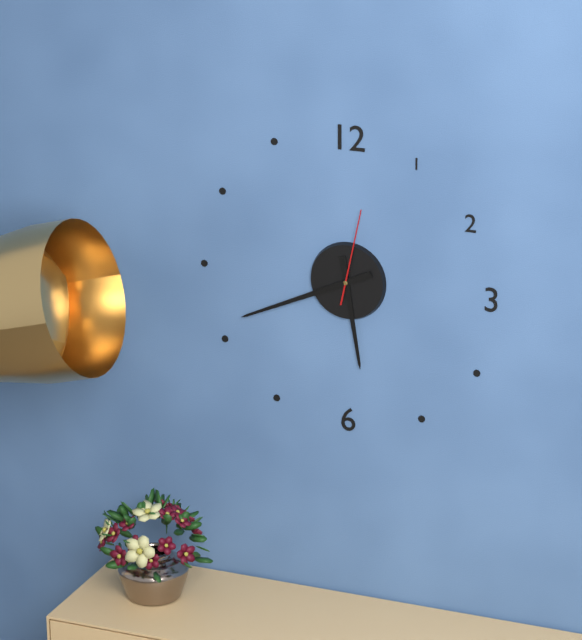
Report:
5,41,02
